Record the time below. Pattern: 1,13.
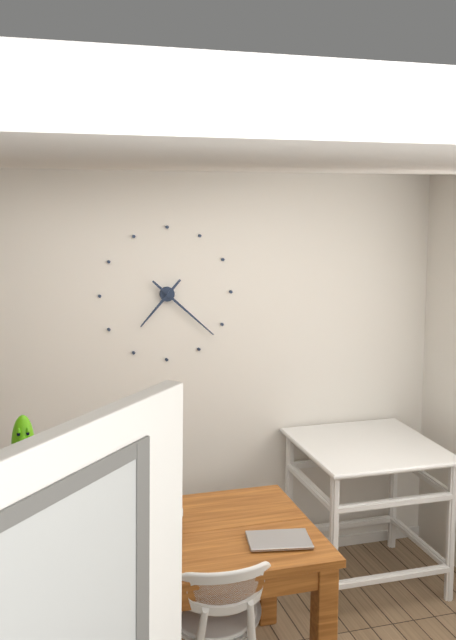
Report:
7,22
